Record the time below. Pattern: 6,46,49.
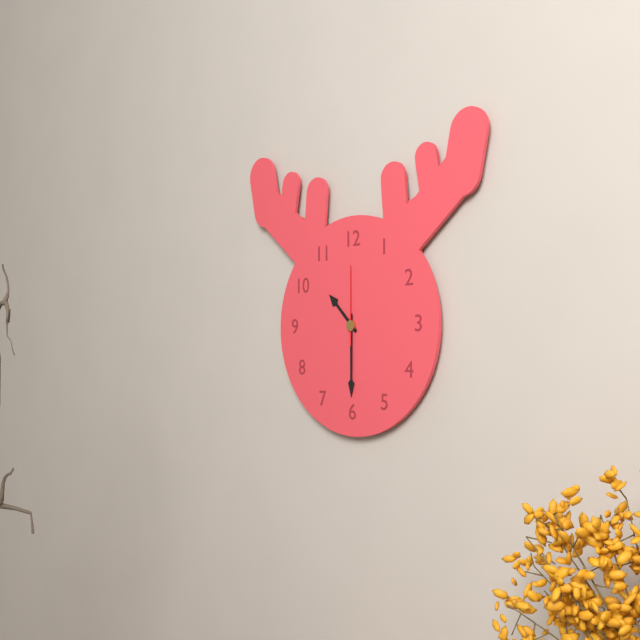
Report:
10,30,00
